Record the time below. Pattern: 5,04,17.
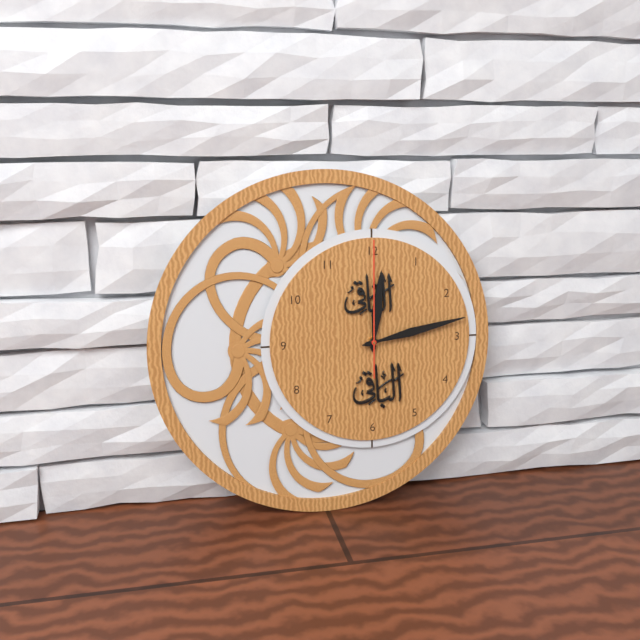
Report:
12,13,00
